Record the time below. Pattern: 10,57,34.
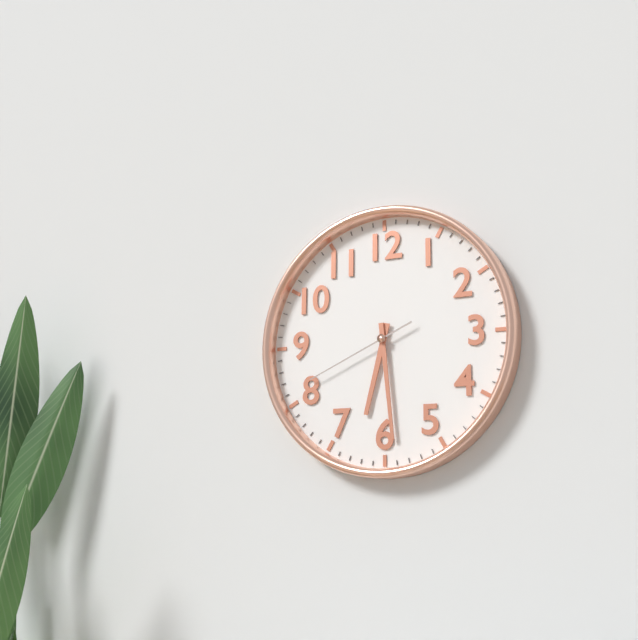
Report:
6,29,41
